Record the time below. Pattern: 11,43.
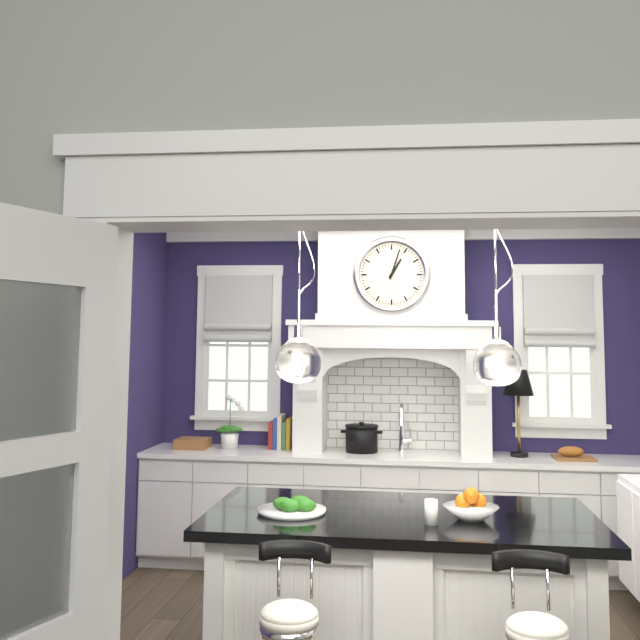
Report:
1,03
